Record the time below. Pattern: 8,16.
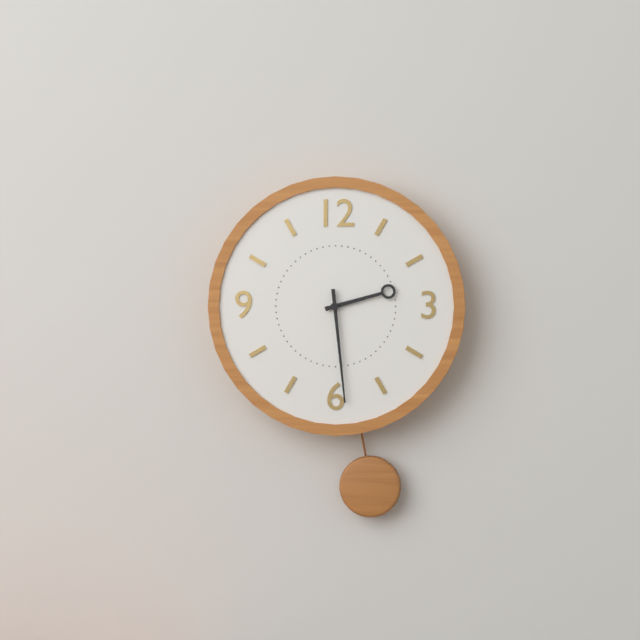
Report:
2,29
